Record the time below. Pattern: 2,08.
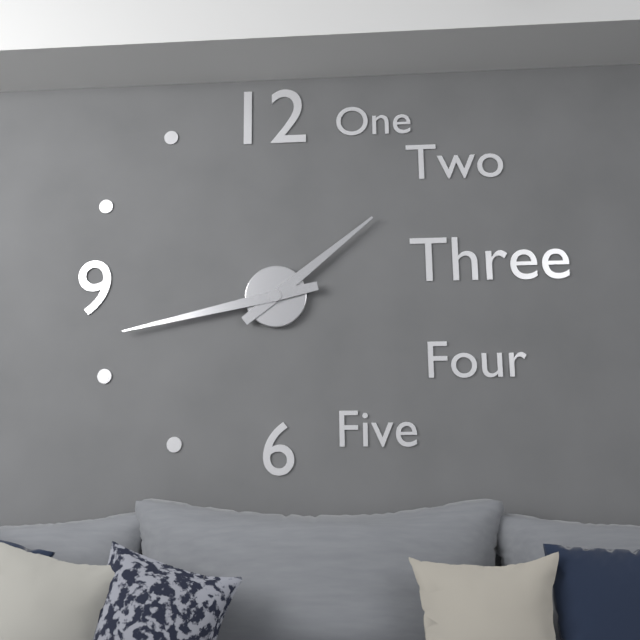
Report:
1,43
